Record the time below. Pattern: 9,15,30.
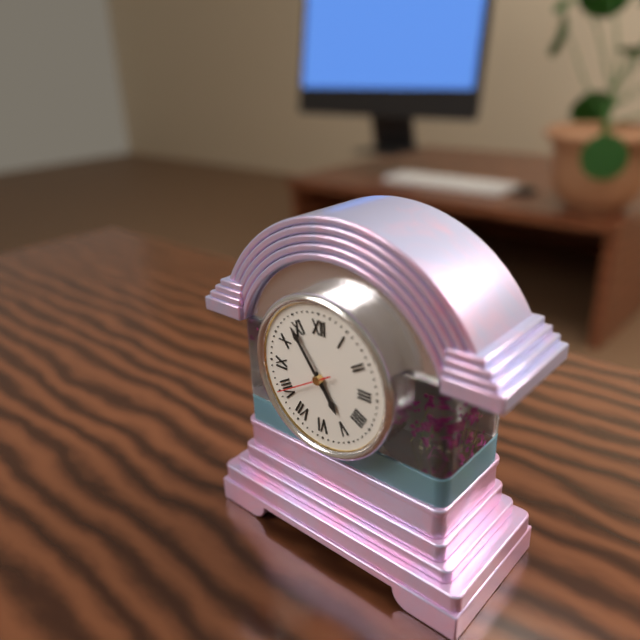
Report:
4,54,40
